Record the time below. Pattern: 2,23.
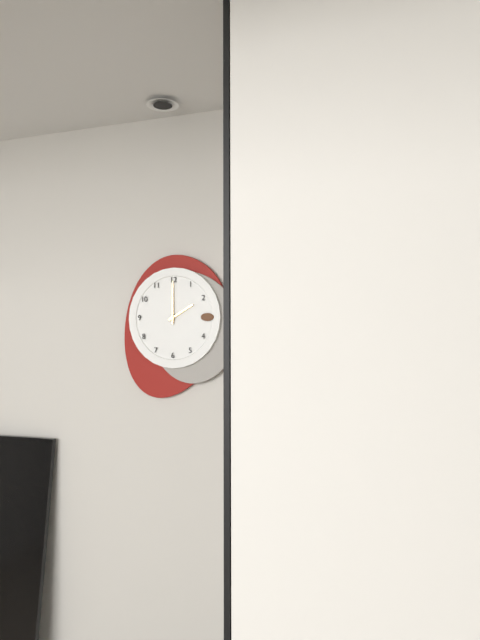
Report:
2,00
